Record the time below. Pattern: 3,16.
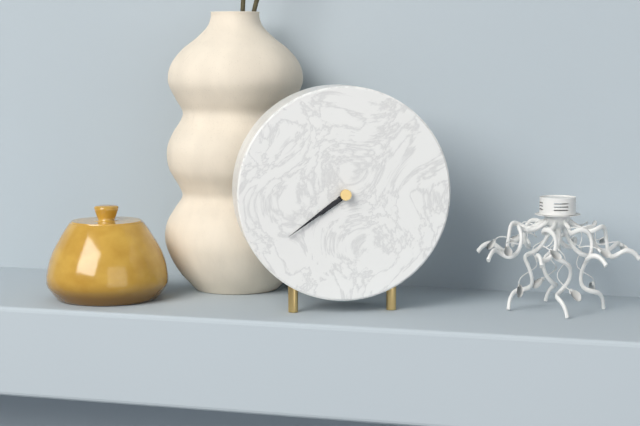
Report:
7,39
